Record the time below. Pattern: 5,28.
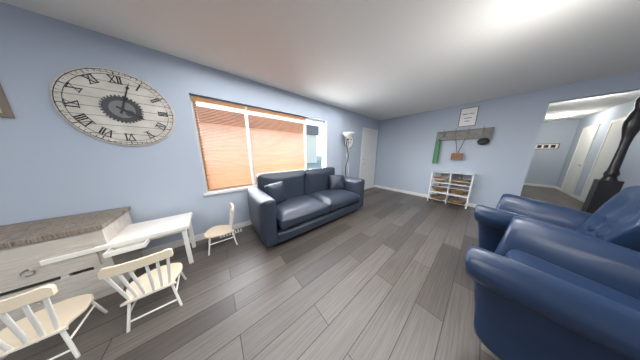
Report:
4,03
